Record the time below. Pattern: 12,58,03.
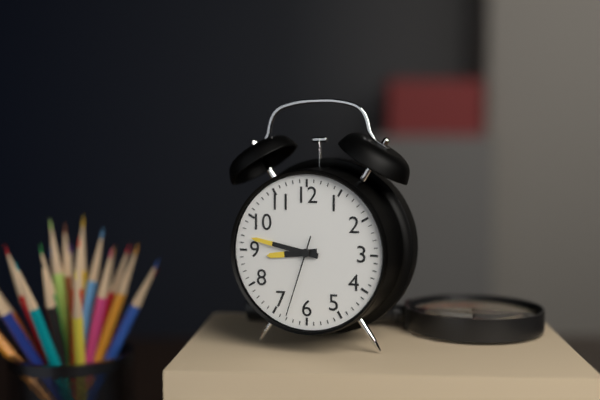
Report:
8,47,33
